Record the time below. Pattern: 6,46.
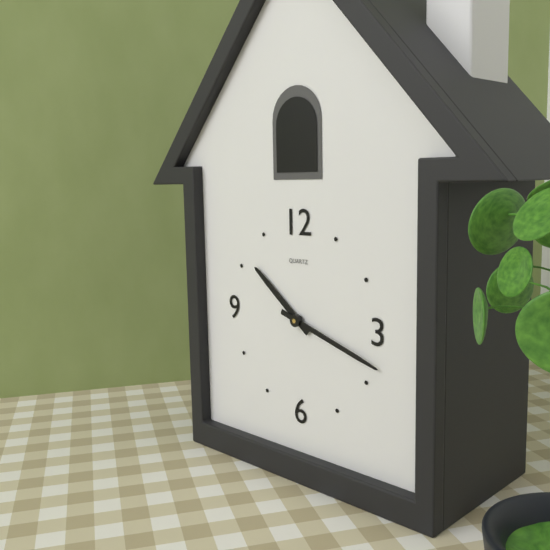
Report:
10,18
